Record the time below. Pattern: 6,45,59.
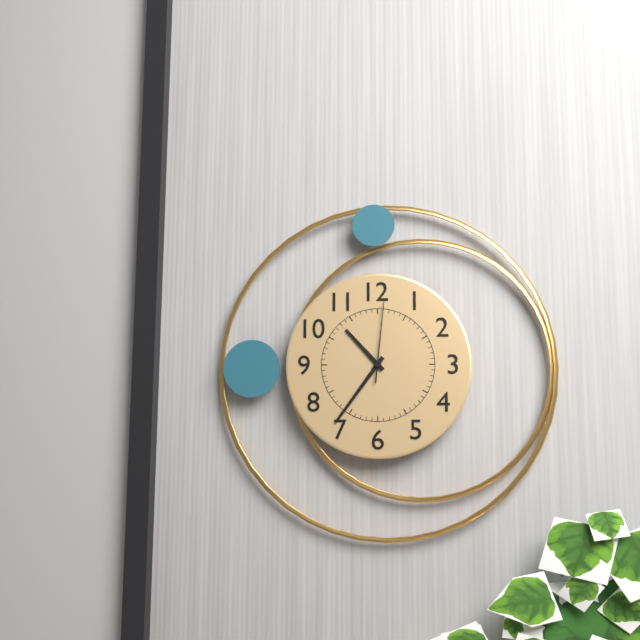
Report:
10,36,01
